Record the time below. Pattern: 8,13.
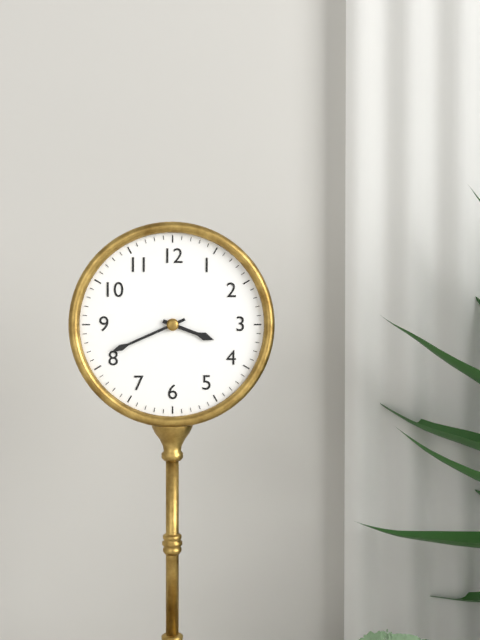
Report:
3,41
